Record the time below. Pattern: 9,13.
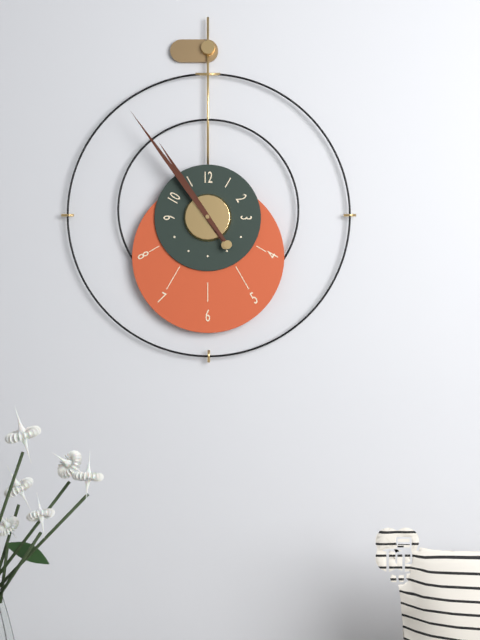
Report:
10,54
